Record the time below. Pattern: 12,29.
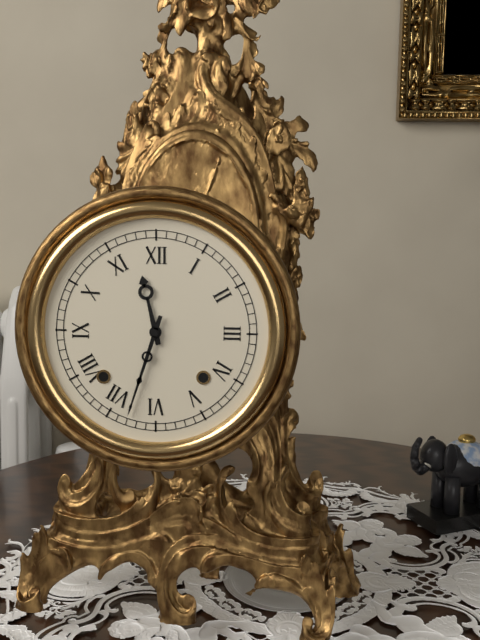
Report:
11,33
